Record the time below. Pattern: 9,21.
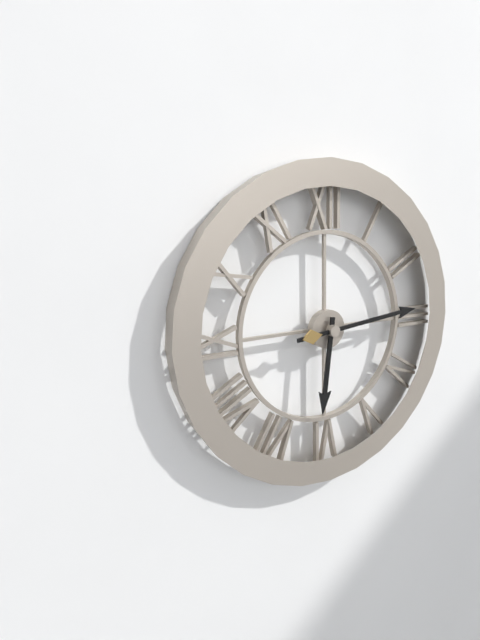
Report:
6,14
